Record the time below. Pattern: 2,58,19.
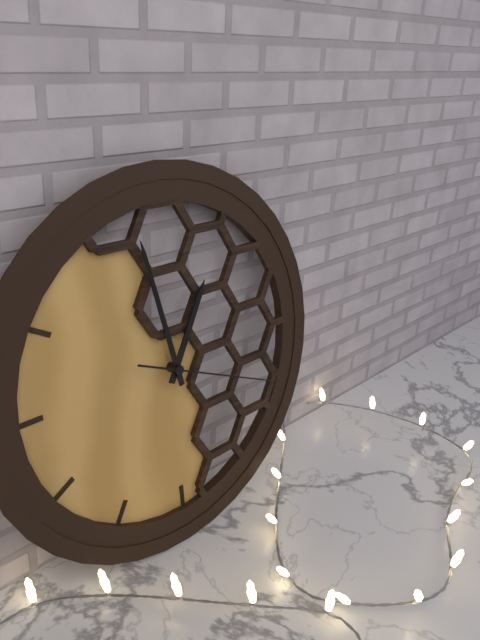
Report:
12,58,19
